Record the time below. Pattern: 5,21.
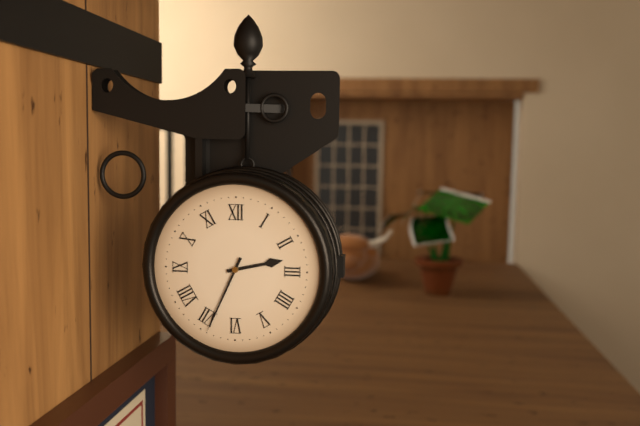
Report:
2,34
